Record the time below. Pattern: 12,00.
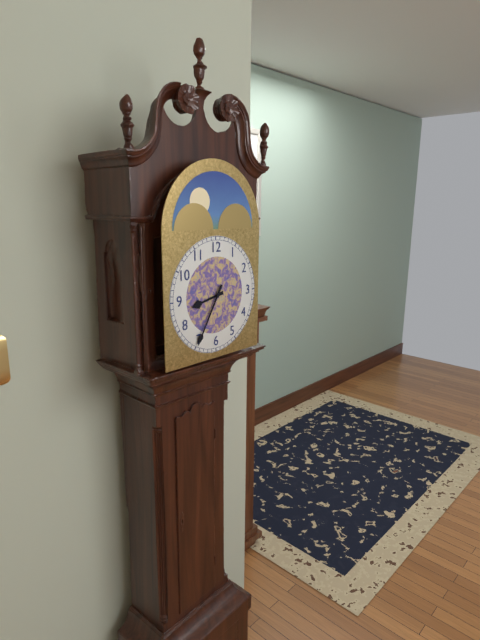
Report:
8,35
